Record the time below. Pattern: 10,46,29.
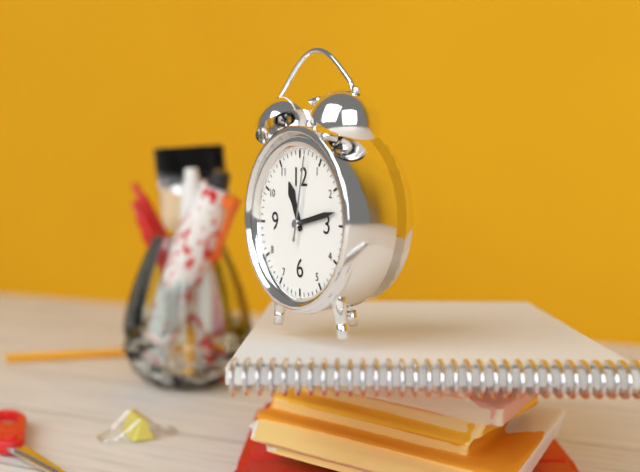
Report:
11,13,02
